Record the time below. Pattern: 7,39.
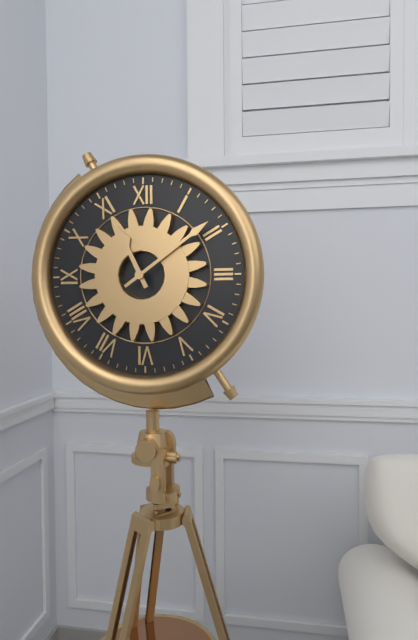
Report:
11,09
